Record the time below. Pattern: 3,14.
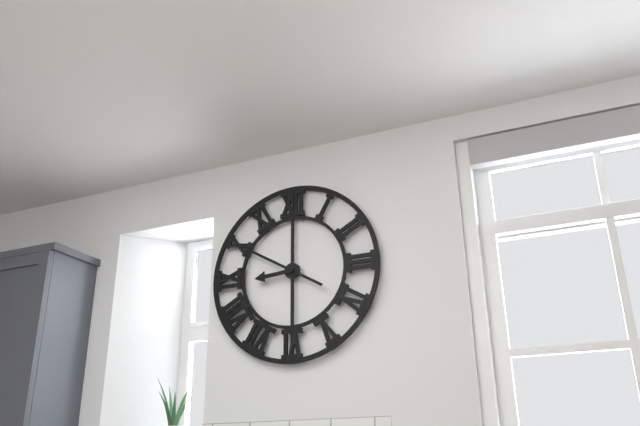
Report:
8,50
